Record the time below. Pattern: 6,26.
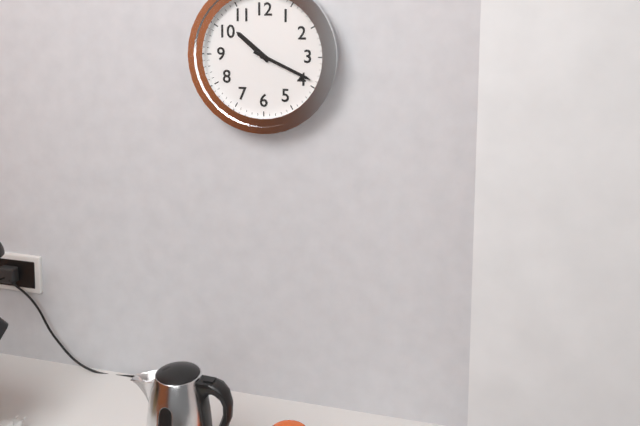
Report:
10,19
